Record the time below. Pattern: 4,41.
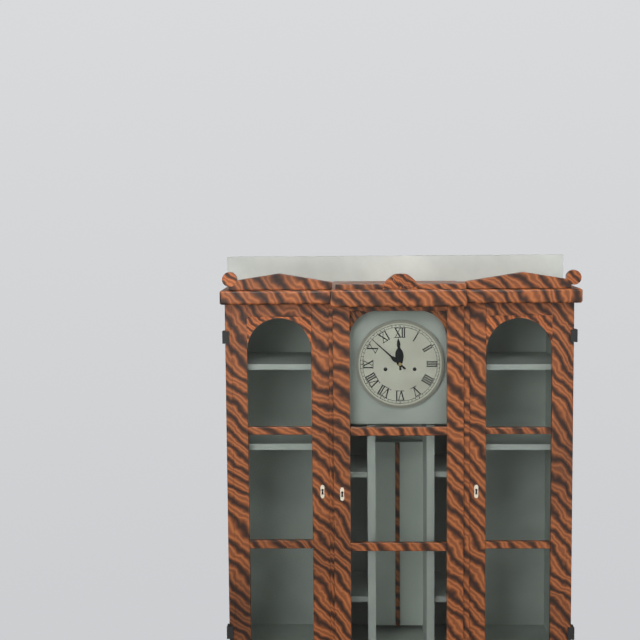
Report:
11,52
